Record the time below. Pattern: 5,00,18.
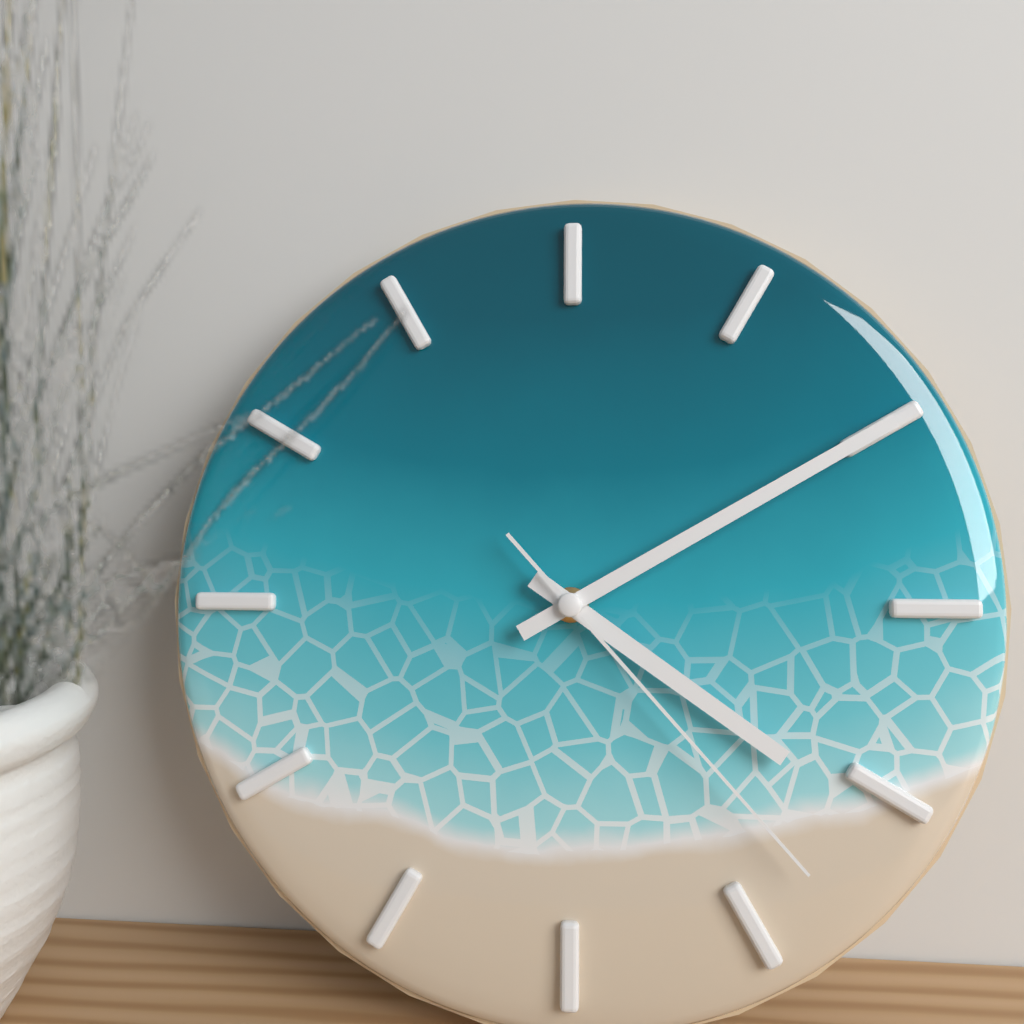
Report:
4,10,23
